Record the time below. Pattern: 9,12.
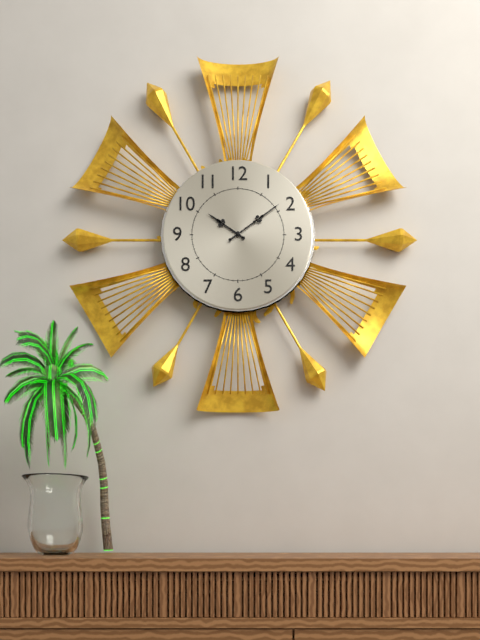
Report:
10,09
